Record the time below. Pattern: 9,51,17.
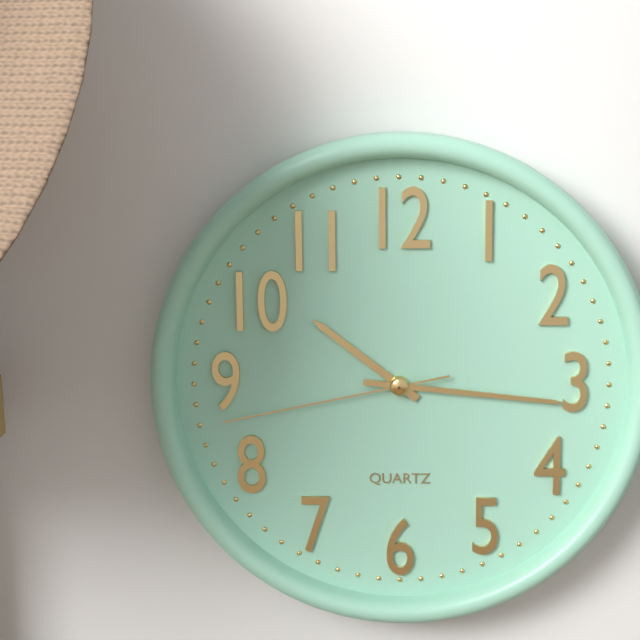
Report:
10,16,43
